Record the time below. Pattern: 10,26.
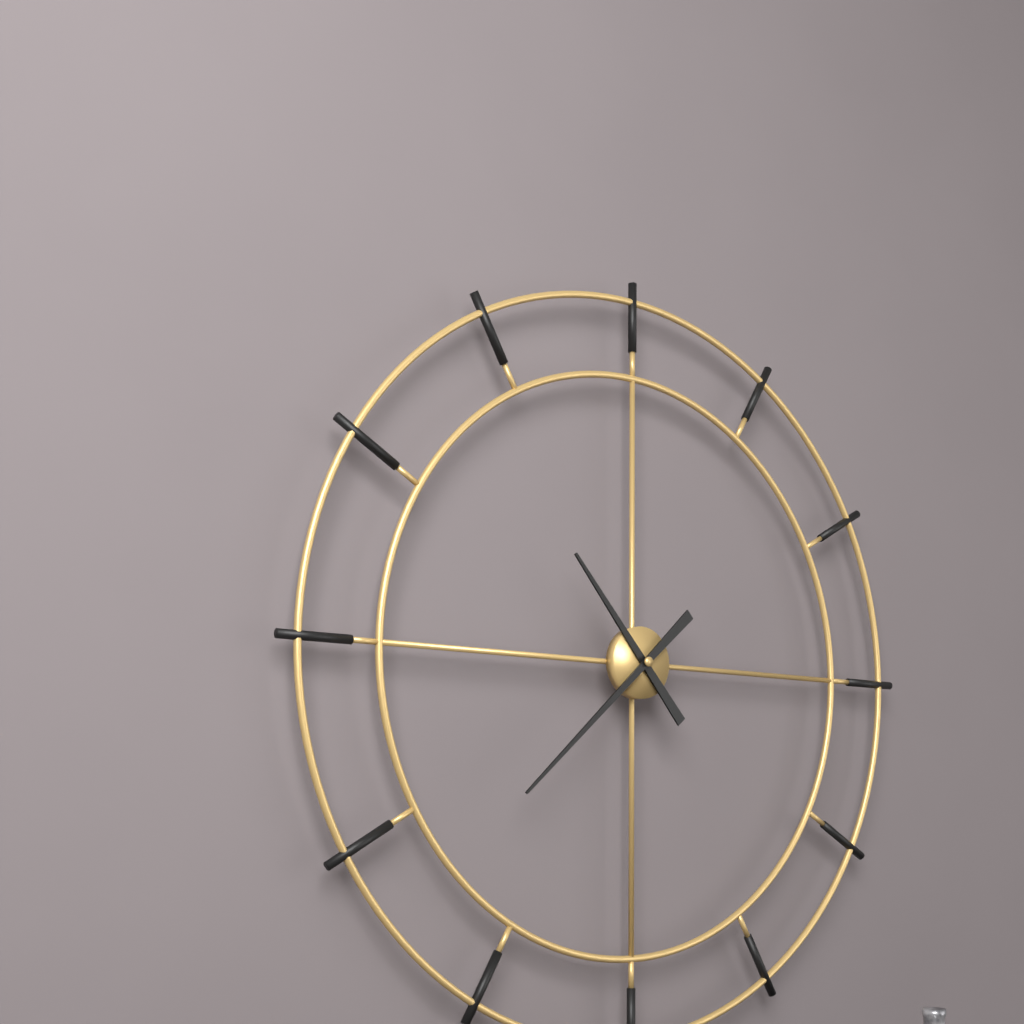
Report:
10,38
